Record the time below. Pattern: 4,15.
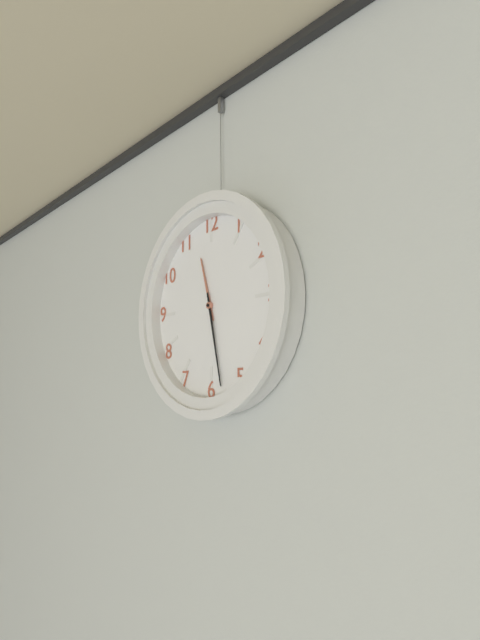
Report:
11,28
